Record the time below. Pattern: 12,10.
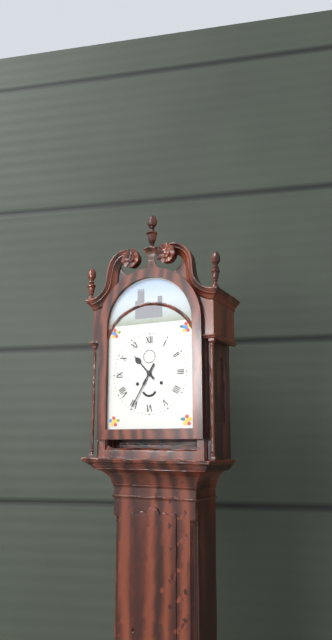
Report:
10,35
